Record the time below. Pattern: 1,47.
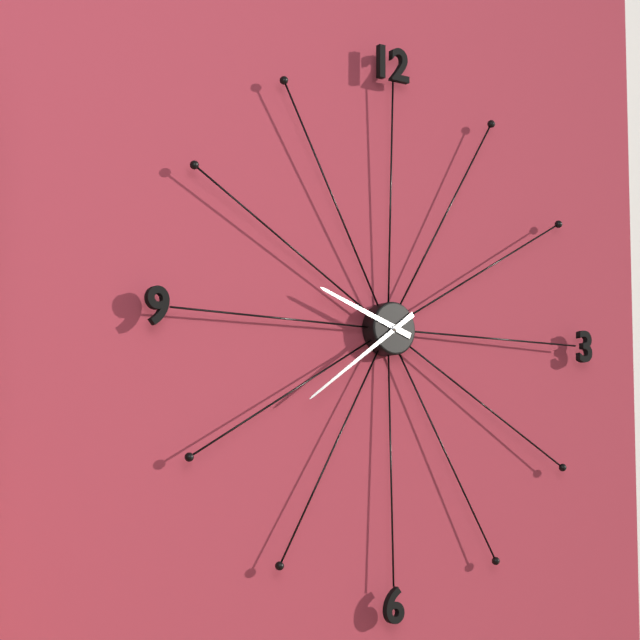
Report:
9,39
